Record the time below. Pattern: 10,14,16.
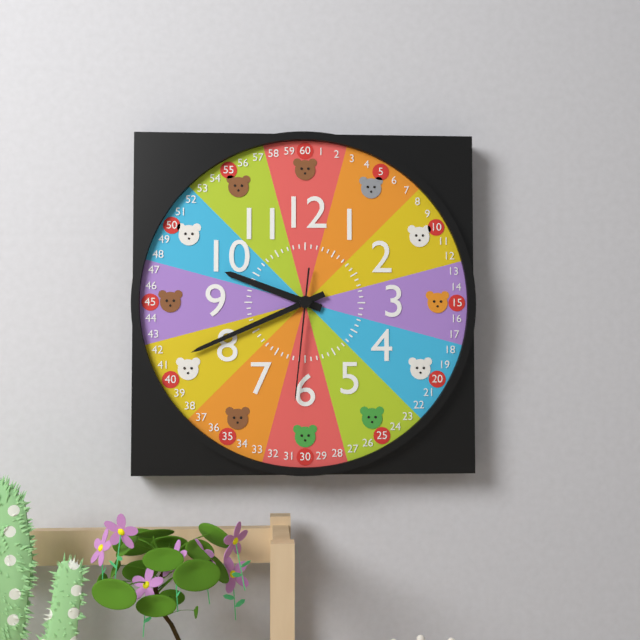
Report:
9,41,31
